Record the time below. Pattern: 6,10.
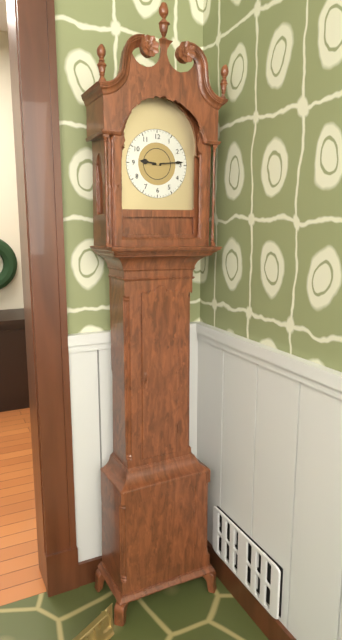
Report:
9,14
